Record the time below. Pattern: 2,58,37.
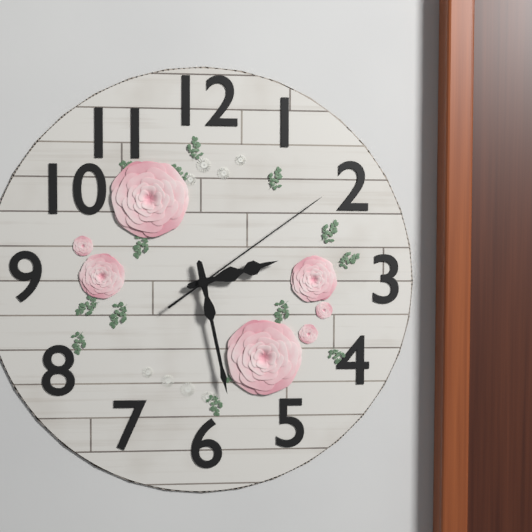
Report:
2,28,09
